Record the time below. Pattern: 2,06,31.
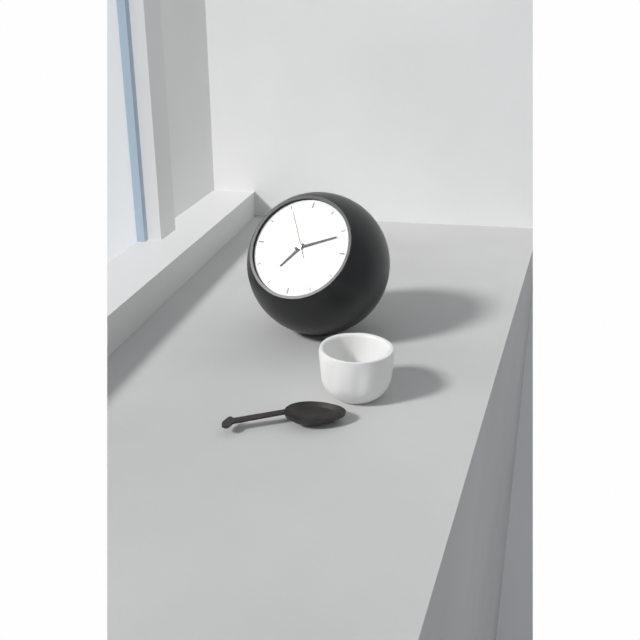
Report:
7,11,55
